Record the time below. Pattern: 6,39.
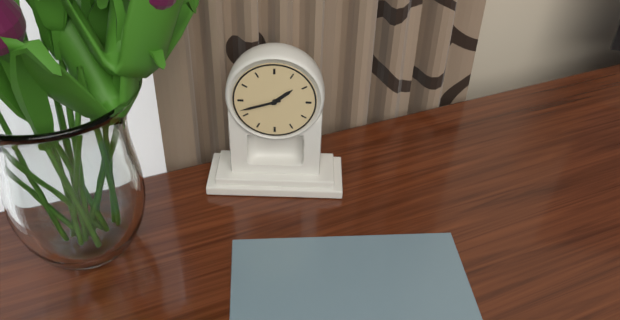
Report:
1,42
